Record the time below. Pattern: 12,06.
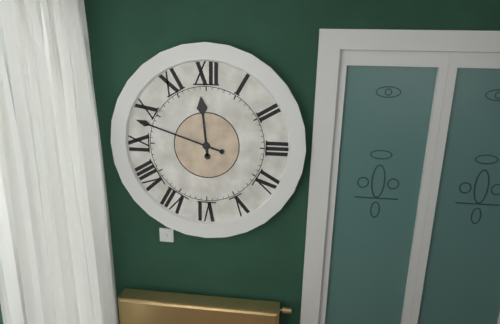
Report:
11,48
